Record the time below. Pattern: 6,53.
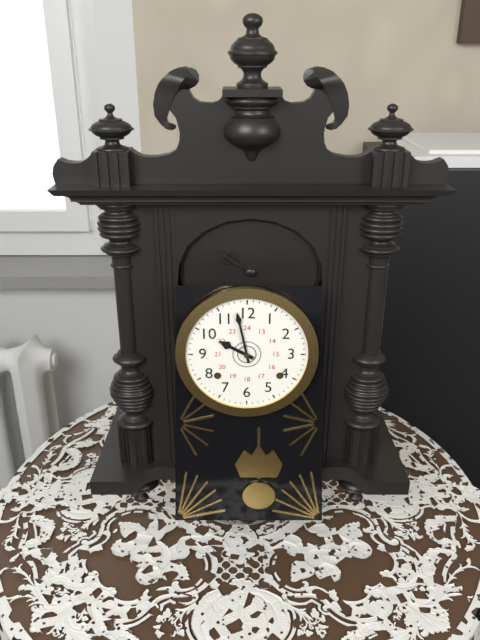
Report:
9,58
